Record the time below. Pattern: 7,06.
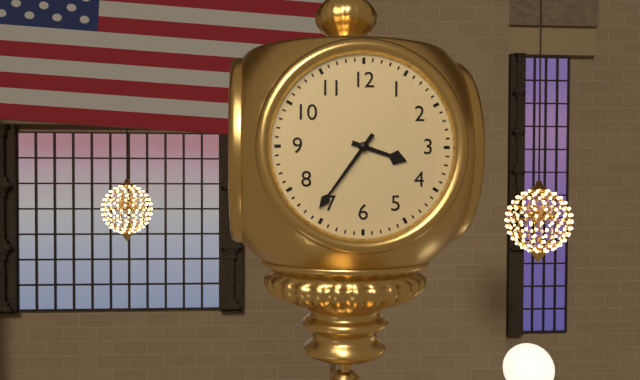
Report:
3,36
